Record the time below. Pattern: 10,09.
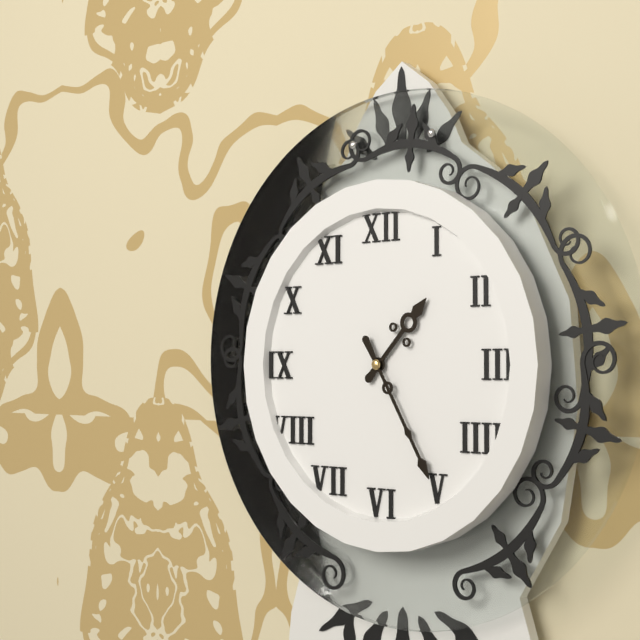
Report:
1,25
